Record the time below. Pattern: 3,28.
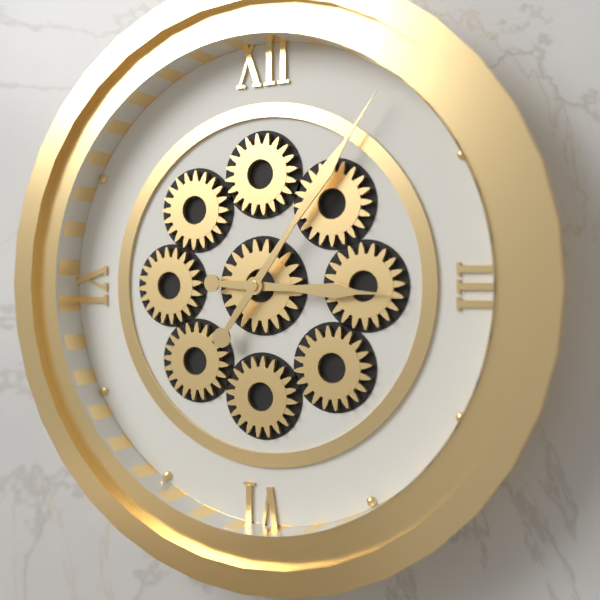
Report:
3,06
